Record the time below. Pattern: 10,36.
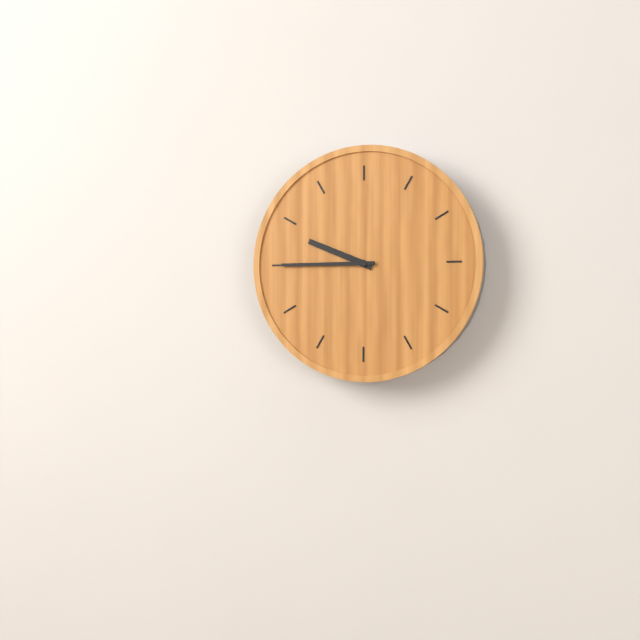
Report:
9,45
